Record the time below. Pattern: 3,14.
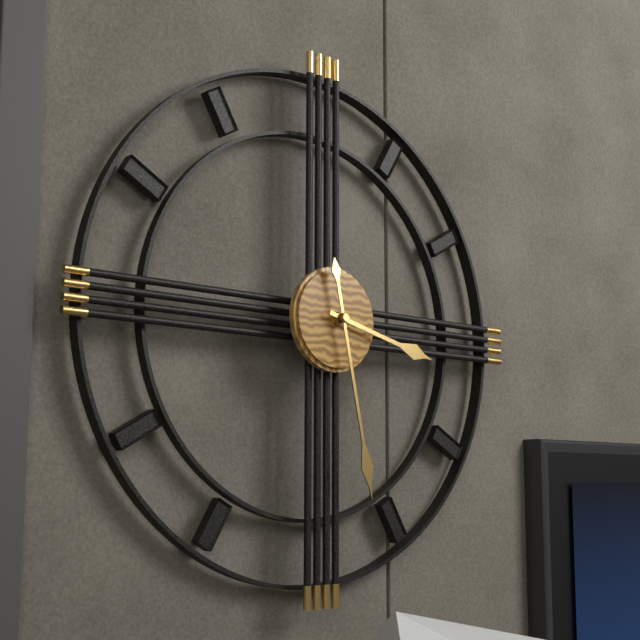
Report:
3,28
